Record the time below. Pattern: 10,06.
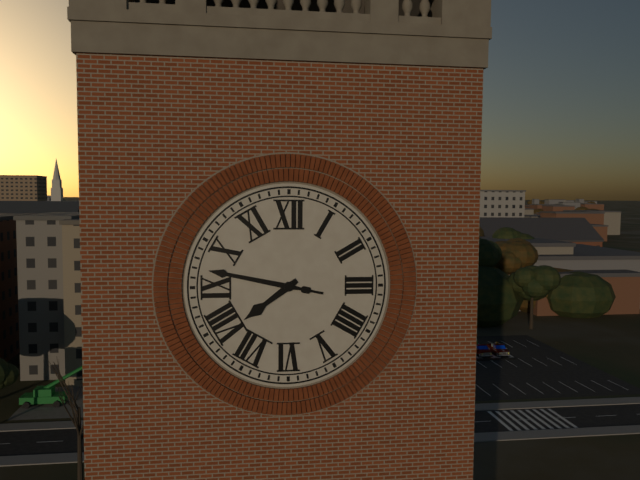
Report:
7,47
